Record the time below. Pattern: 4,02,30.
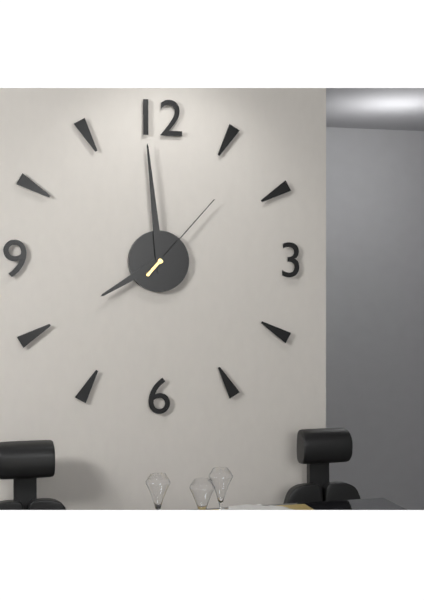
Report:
7,59,07
